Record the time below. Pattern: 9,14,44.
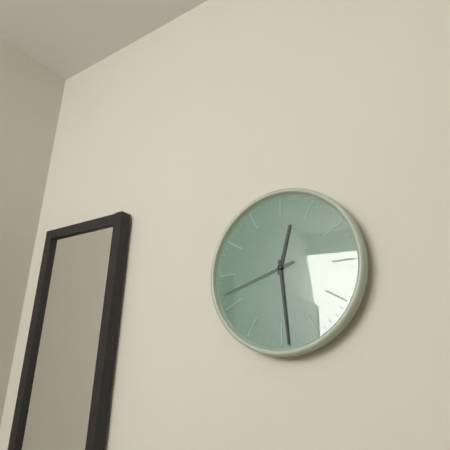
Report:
12,29,42
